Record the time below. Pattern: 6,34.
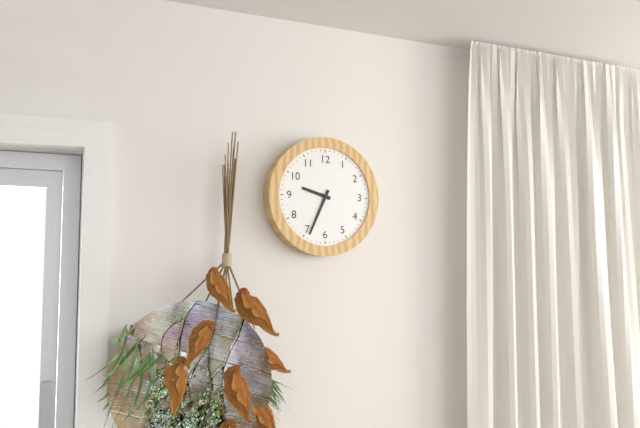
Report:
9,34
